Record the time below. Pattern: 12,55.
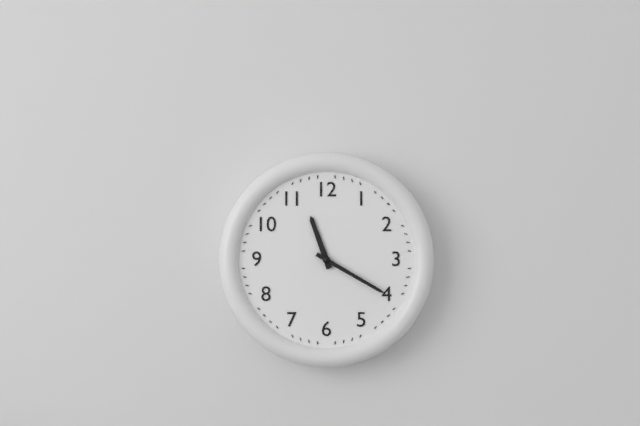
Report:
11,20
